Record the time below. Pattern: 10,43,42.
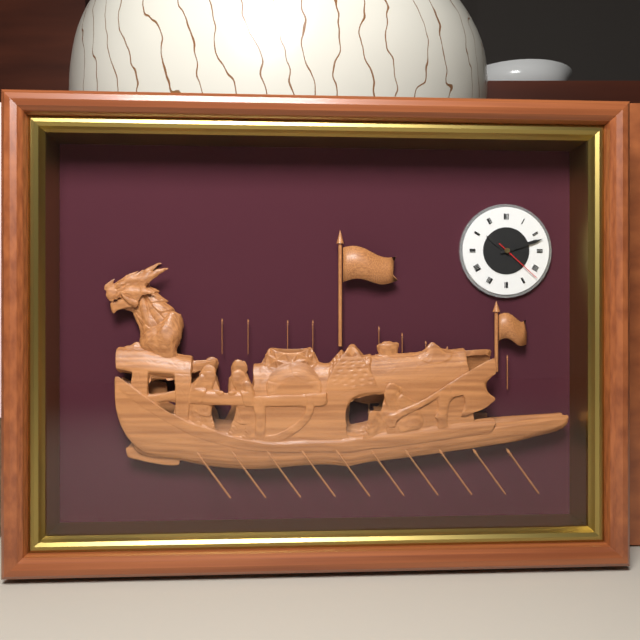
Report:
10,12,22
